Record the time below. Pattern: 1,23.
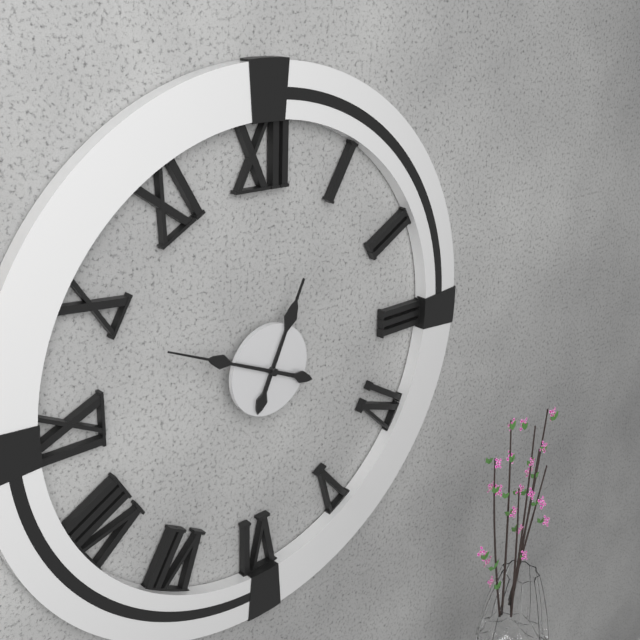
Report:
12,49
